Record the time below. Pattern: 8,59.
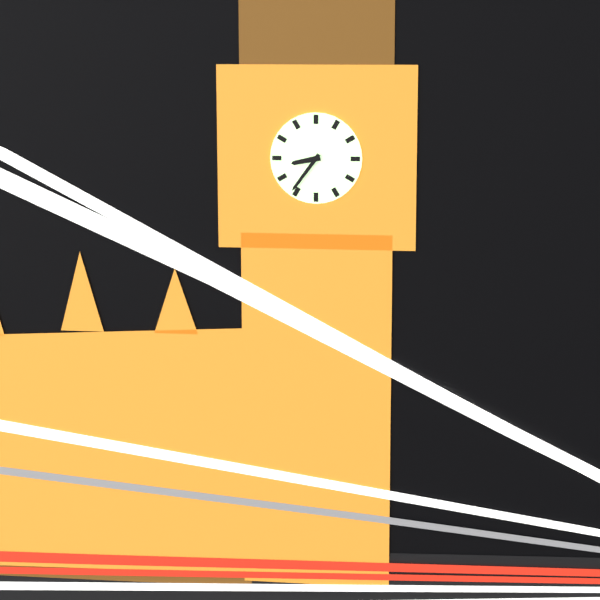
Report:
8,36
